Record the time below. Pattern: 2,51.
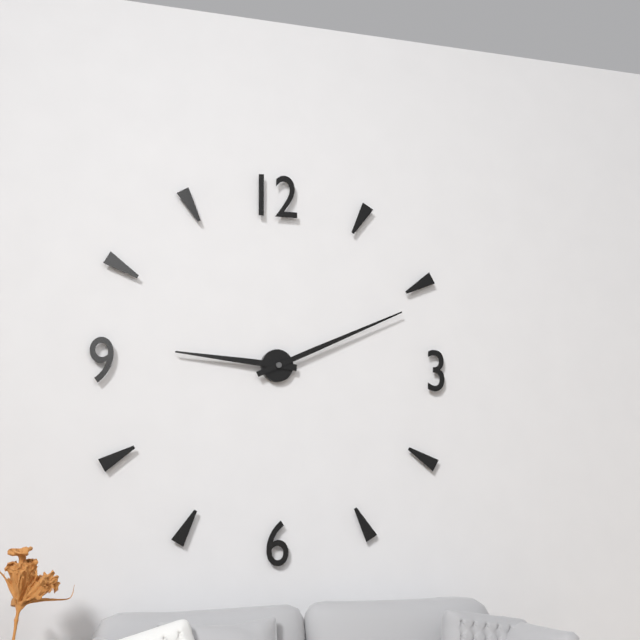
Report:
9,11
